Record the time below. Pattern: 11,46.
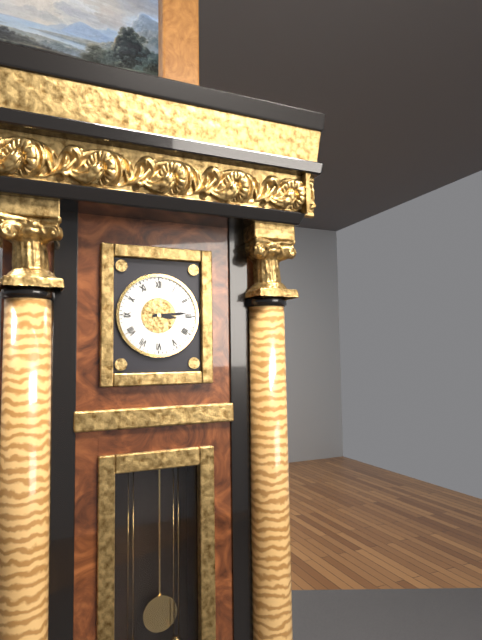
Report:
3,14
